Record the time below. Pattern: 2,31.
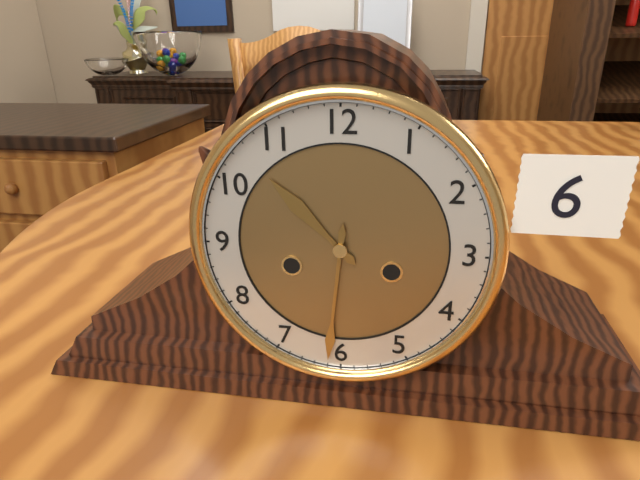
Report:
10,31
